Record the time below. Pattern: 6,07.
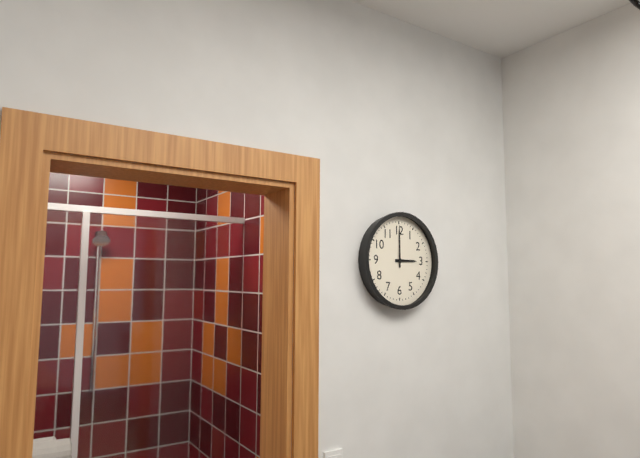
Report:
3,00
